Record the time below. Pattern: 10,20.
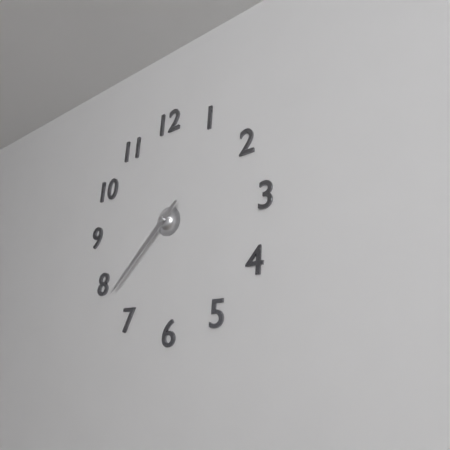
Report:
7,38
